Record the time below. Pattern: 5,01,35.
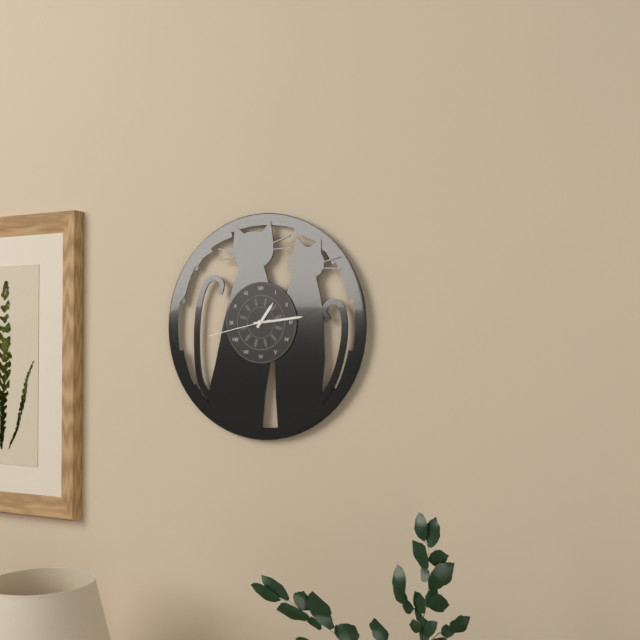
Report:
1,14,43
